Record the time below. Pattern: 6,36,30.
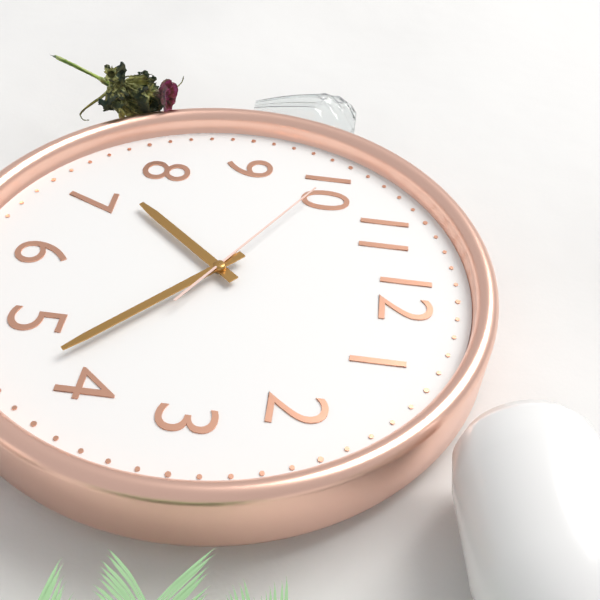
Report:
7,22,50
